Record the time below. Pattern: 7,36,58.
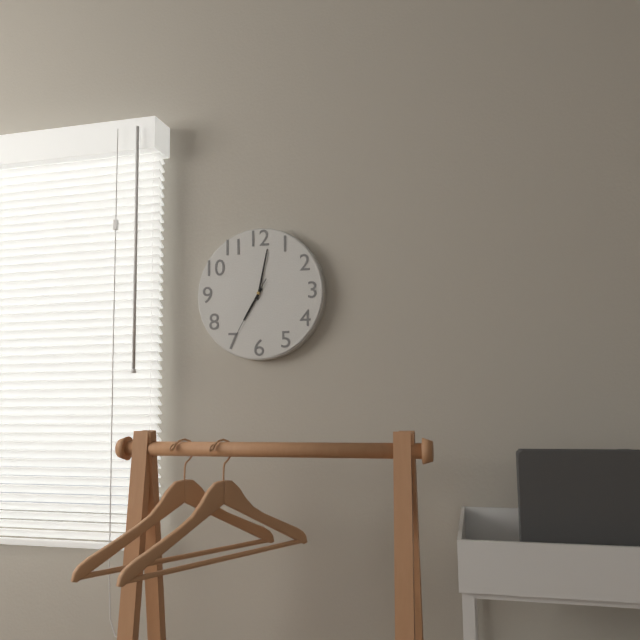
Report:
7,02,35
